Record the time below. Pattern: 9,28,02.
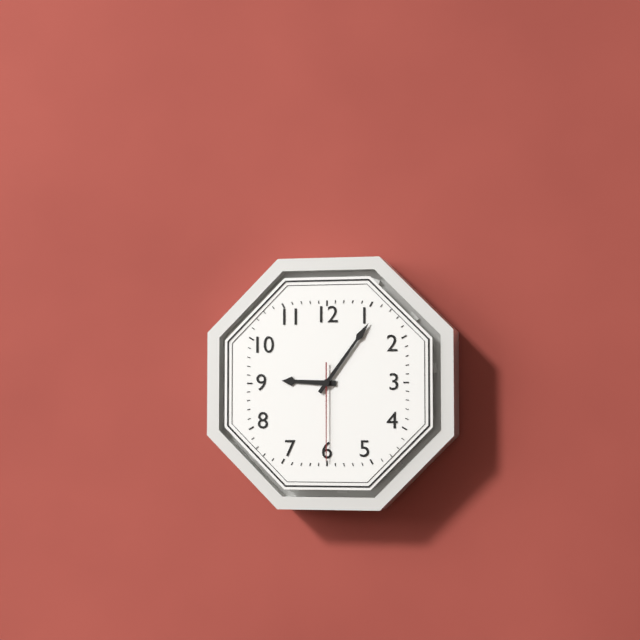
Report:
9,06,30
